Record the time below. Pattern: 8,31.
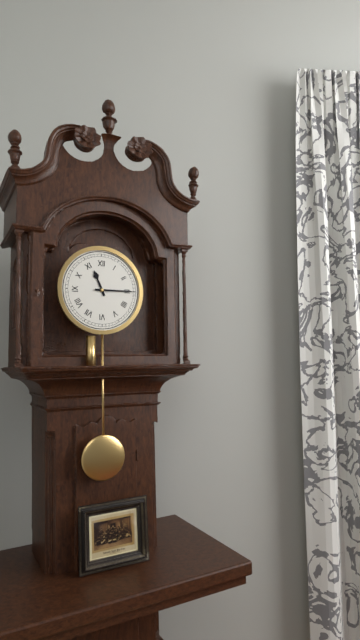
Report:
11,15
